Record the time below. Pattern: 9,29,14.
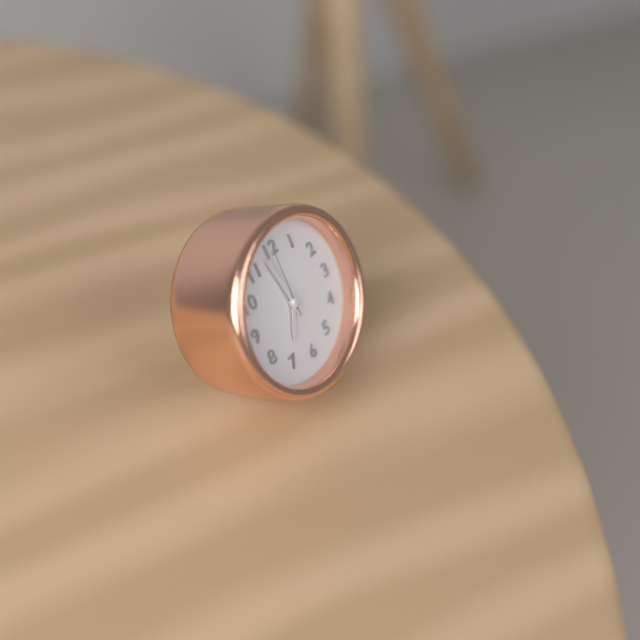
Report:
6,58,00
